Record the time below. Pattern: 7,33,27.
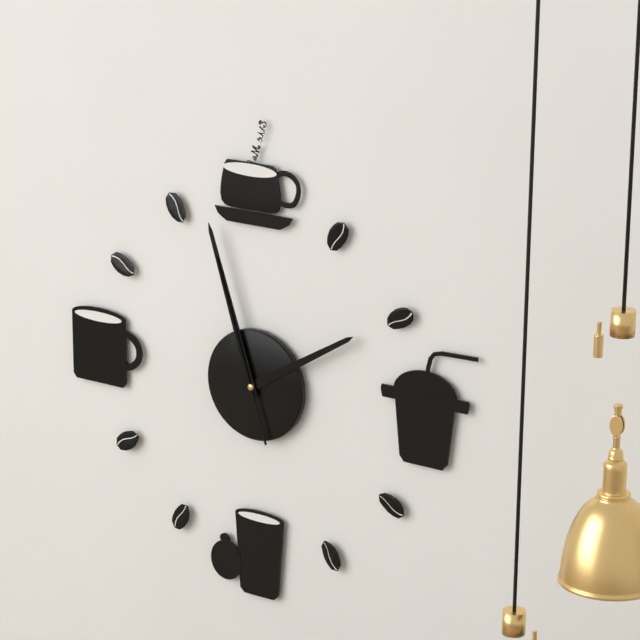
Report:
1,57,57
